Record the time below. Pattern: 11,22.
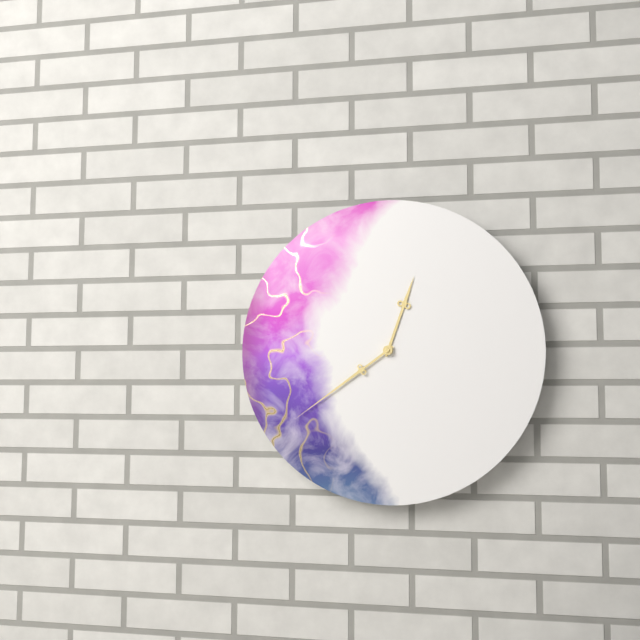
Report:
12,39
